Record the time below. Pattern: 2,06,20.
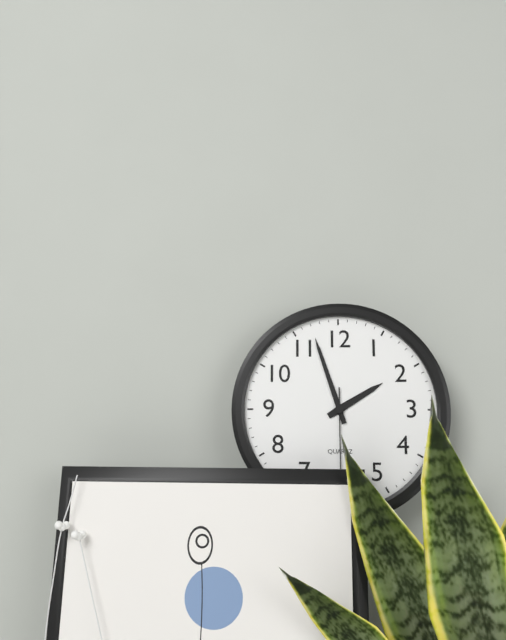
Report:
1,57,30
